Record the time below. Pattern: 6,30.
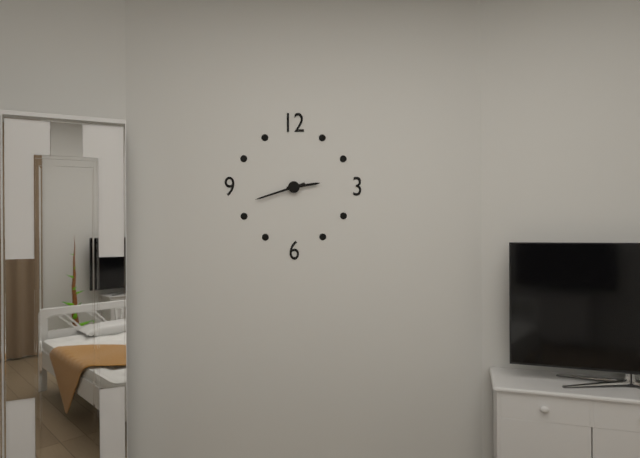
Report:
2,42
